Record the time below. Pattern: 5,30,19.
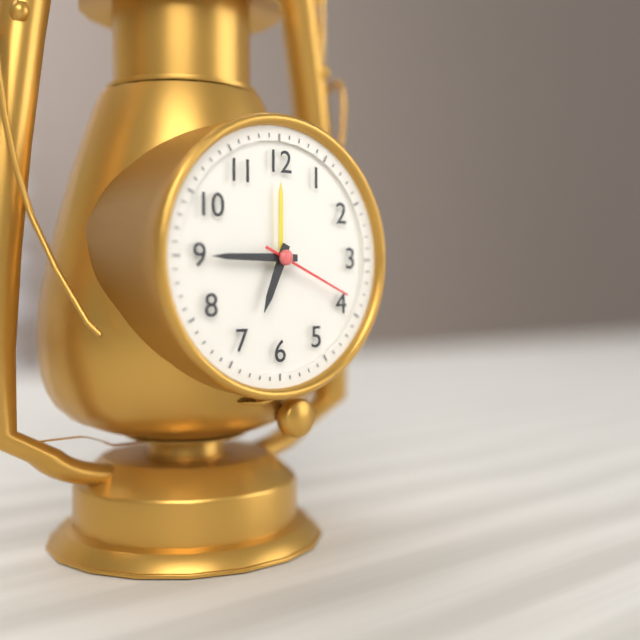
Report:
6,45,19
